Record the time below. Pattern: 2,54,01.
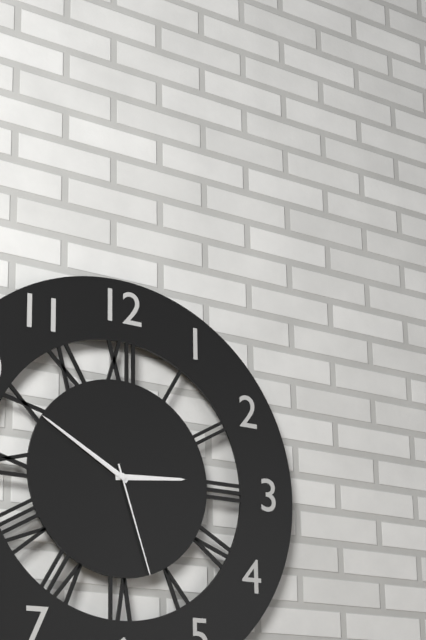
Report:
2,50,27
